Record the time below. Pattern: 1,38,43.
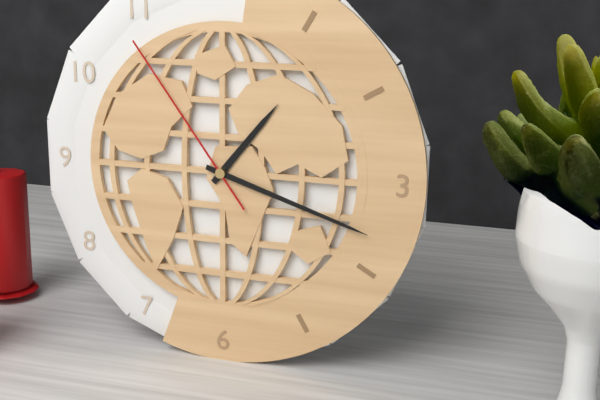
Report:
1,18,54
